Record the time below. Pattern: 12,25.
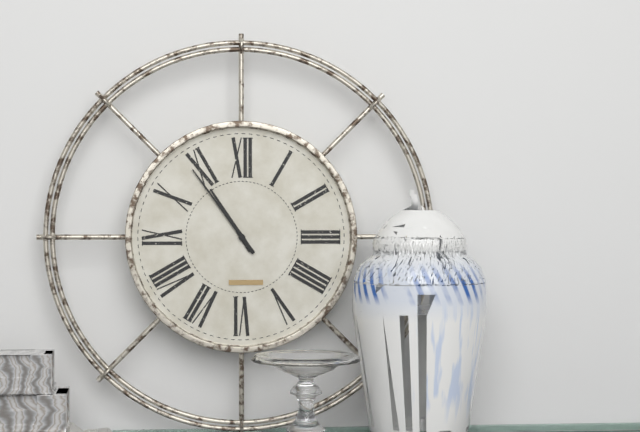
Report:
10,54
